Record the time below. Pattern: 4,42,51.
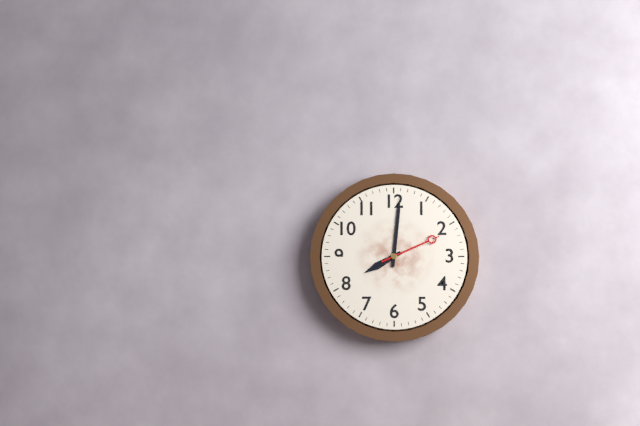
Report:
8,01,11
